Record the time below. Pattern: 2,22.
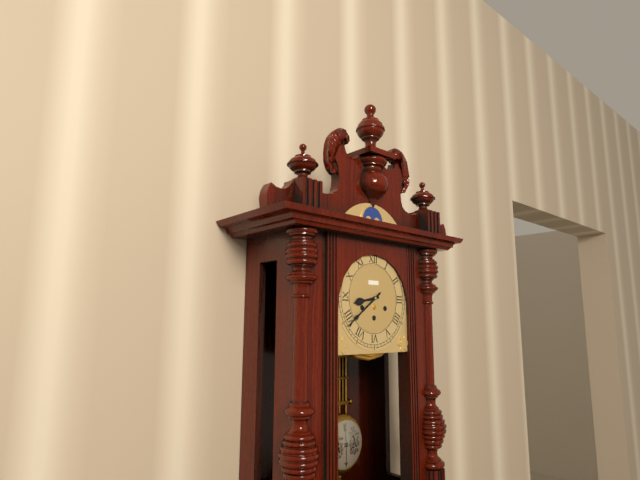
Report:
8,39
